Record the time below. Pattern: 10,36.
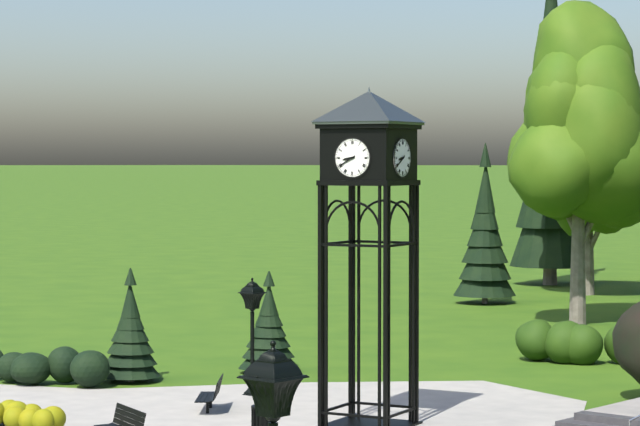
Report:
8,40
